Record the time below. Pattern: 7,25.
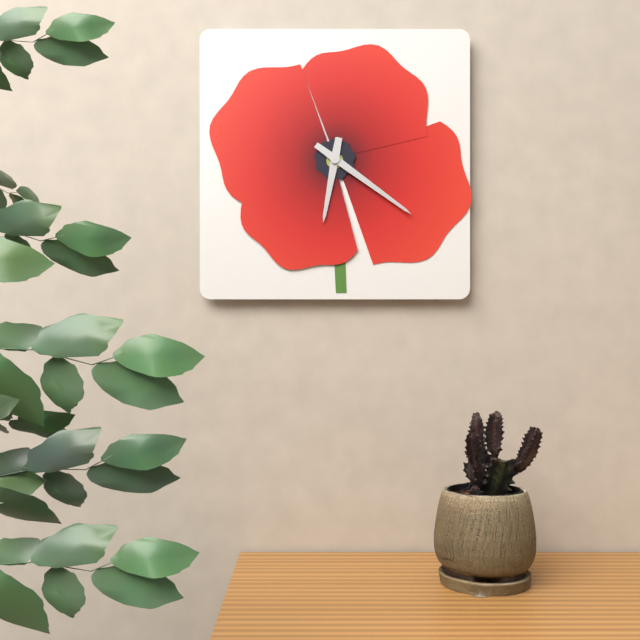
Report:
6,21
